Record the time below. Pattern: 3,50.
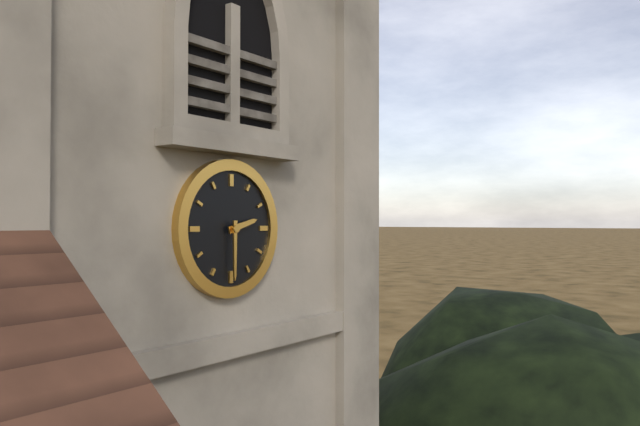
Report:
2,30
